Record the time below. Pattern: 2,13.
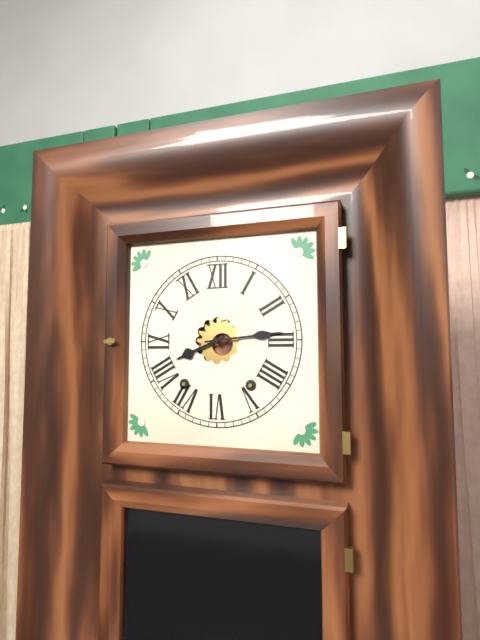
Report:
8,14
